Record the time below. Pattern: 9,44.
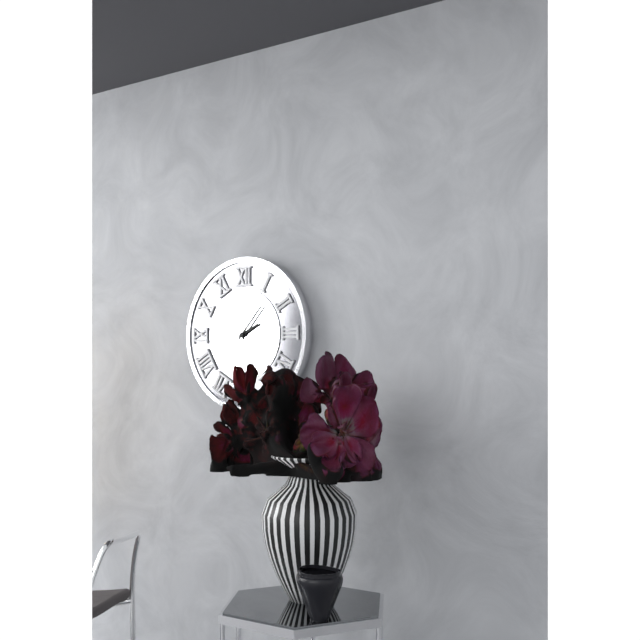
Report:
2,07
